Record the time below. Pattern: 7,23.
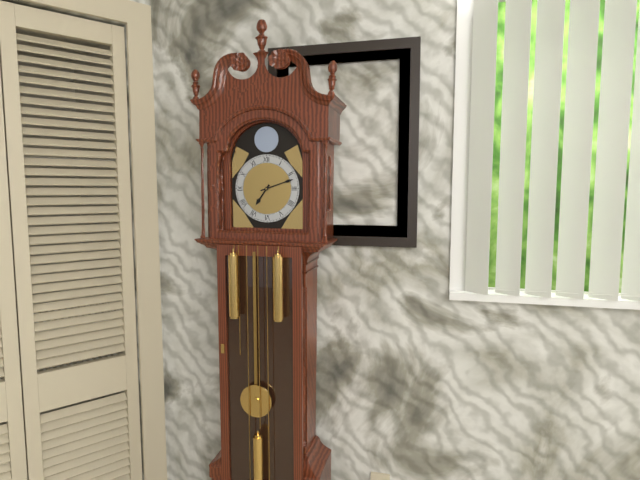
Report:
7,12
